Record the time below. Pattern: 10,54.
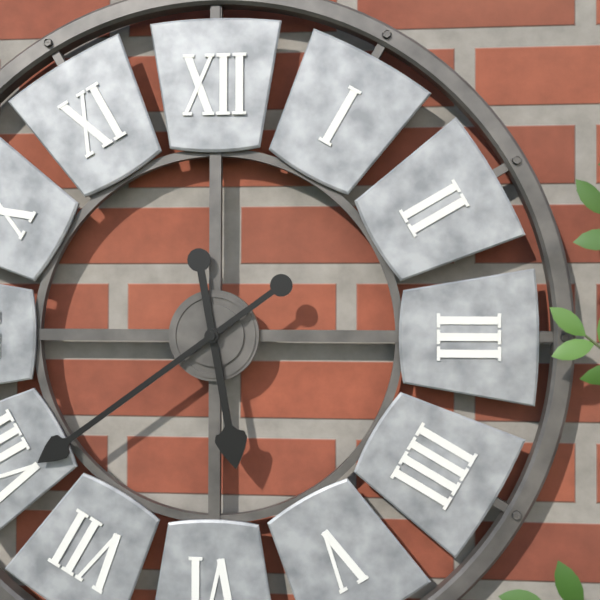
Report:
5,39
